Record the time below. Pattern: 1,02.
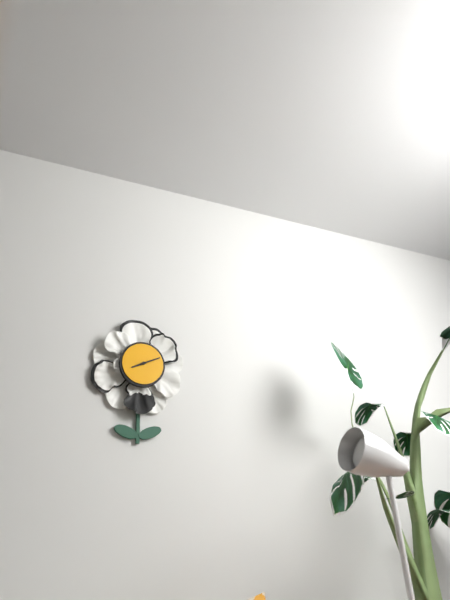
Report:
8,11
